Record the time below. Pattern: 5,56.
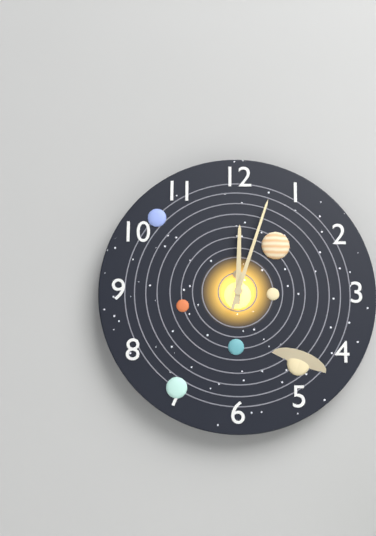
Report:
12,03
